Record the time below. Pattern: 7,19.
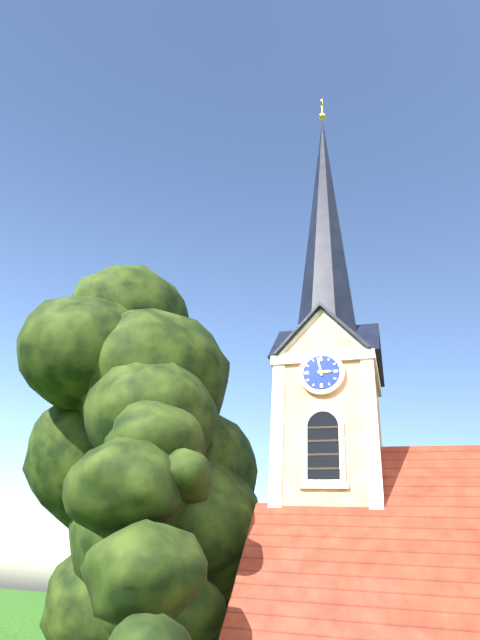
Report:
2,58
